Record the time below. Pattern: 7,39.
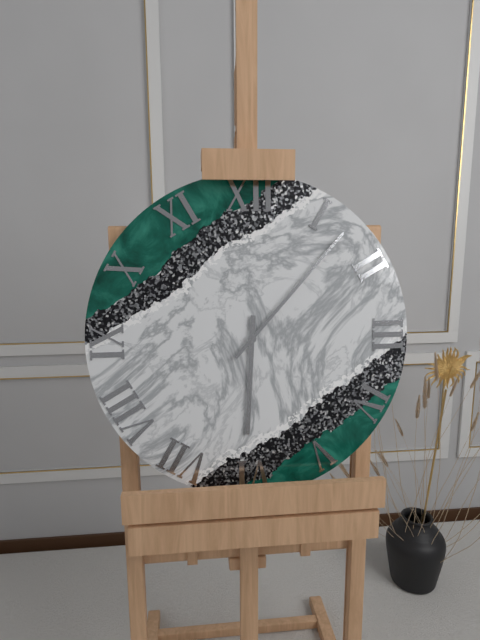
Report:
6,07
